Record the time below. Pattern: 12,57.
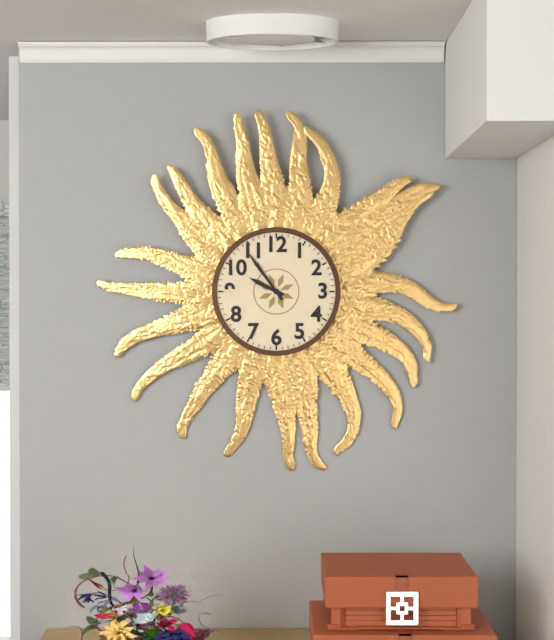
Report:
9,54
